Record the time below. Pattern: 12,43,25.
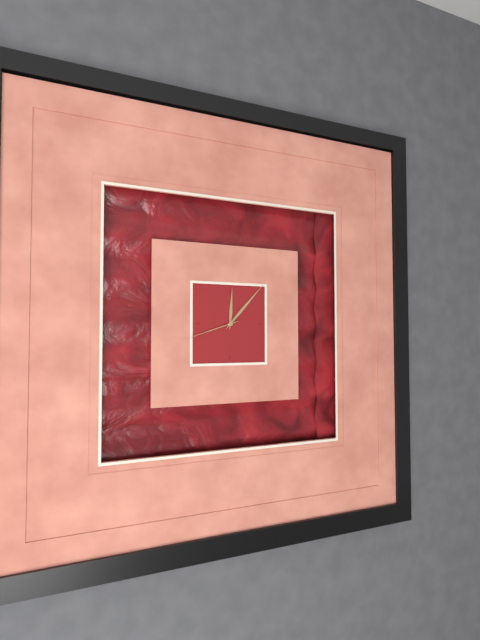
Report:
12,07,42
